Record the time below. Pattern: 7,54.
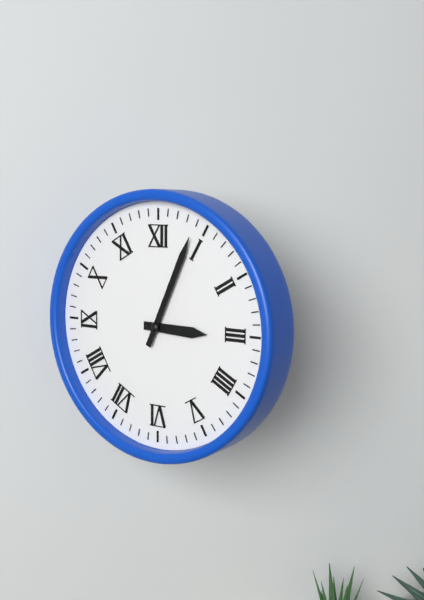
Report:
3,04
